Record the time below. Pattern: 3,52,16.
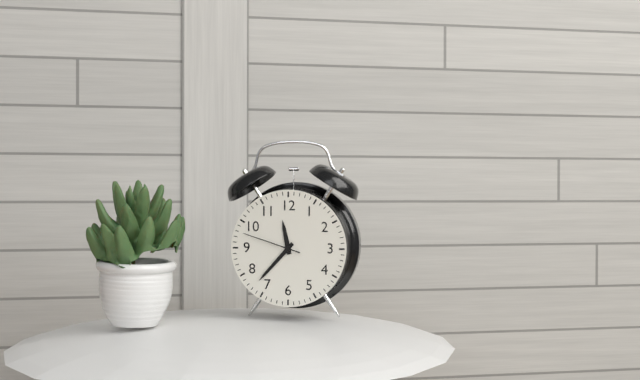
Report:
11,37,48
